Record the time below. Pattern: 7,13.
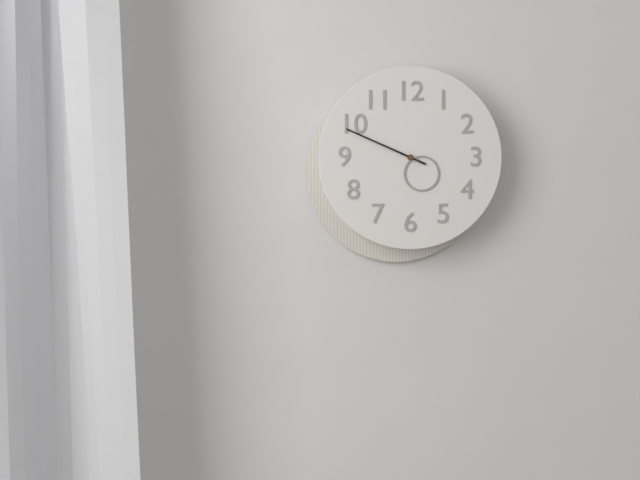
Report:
4,49
